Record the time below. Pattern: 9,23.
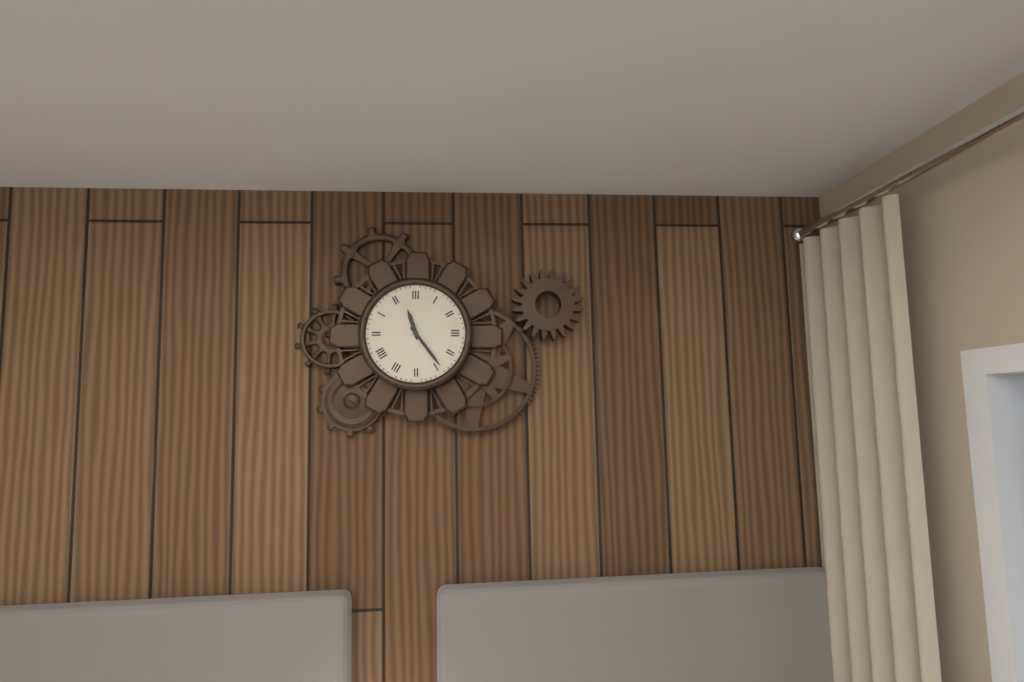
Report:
11,24
